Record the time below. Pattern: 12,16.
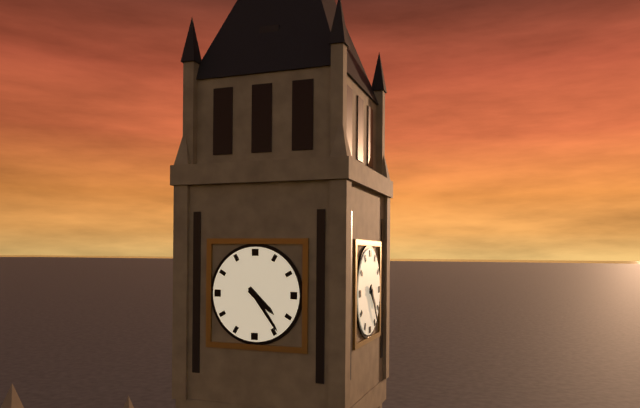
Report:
4,24
